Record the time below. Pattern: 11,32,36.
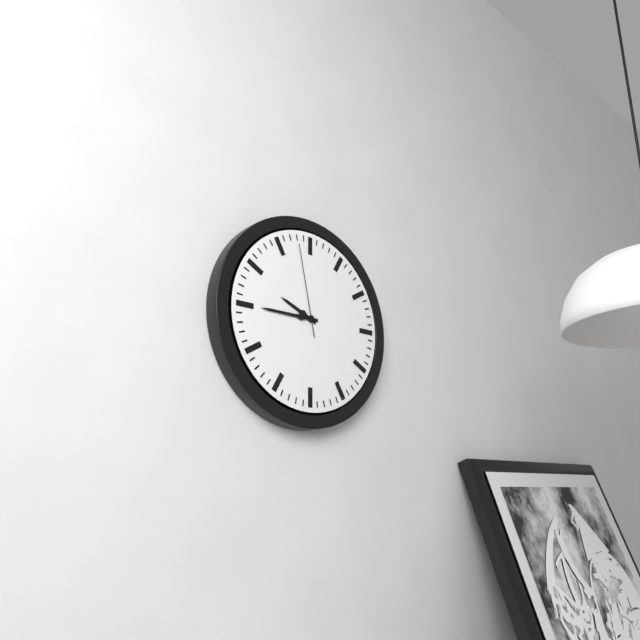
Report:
9,45,58
